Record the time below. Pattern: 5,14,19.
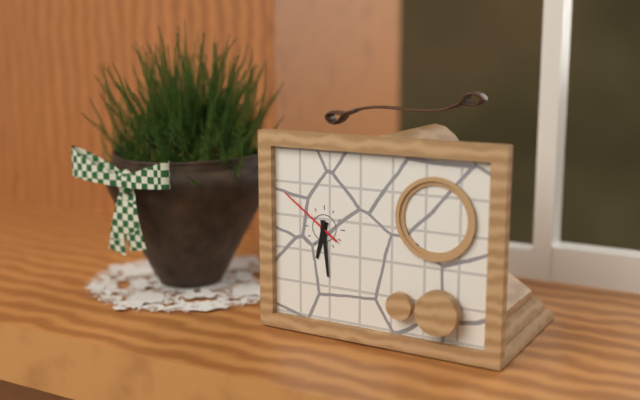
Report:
6,29,51
